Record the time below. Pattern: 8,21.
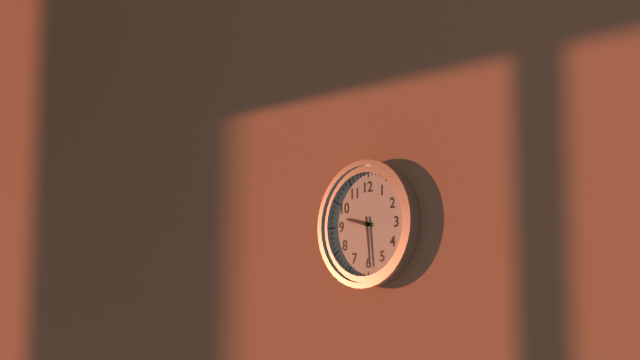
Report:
9,29
